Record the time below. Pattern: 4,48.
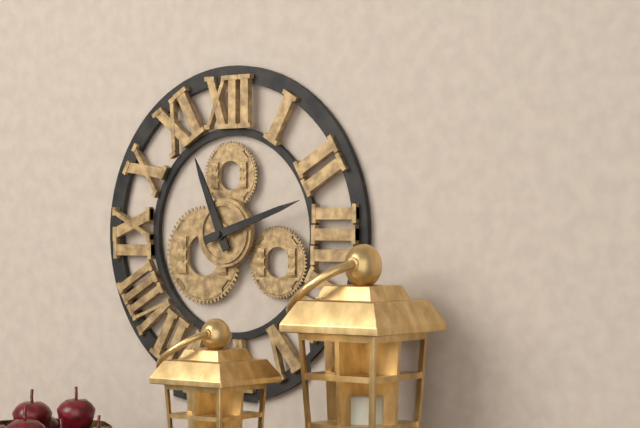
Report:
11,12
